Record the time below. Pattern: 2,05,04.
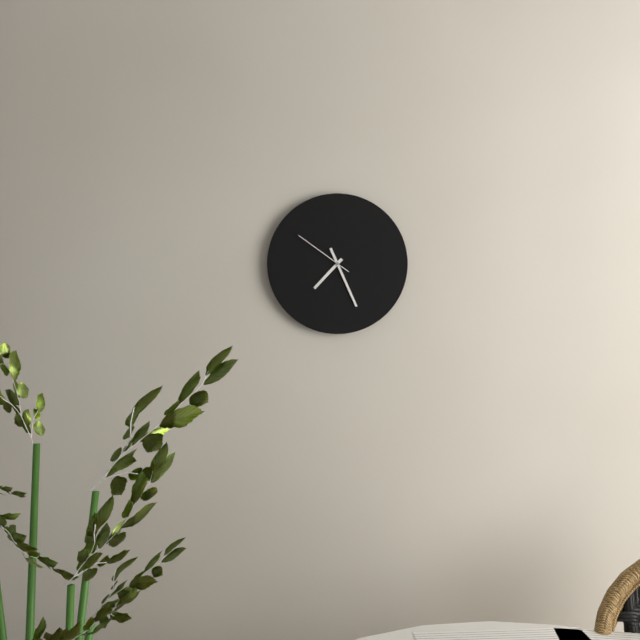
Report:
7,26,51
